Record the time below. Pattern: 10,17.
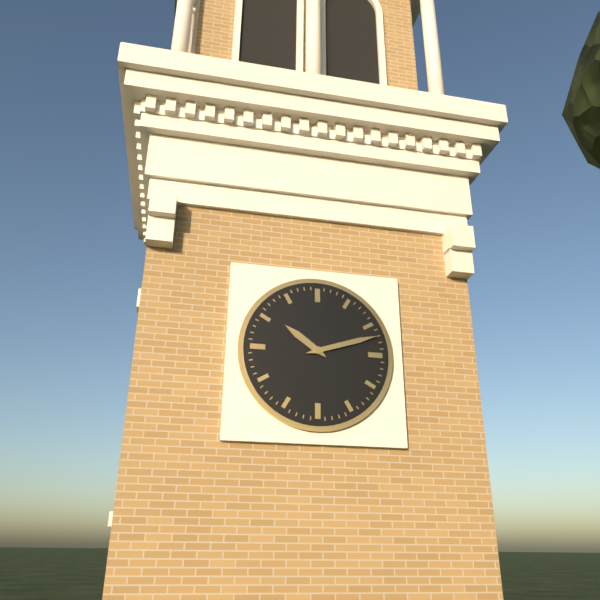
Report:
10,12
